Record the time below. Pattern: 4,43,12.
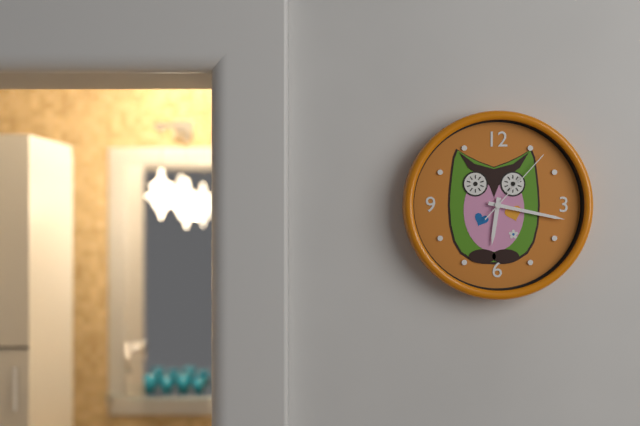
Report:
6,17,07
